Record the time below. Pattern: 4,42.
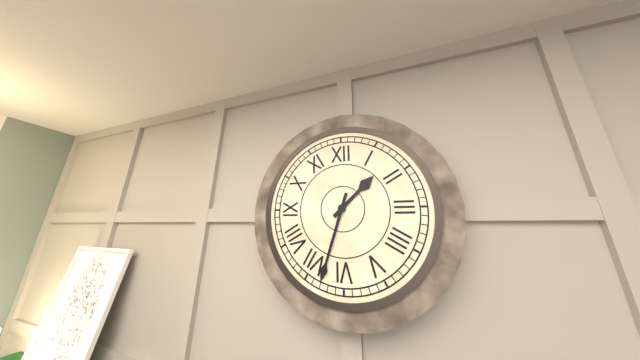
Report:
1,33
